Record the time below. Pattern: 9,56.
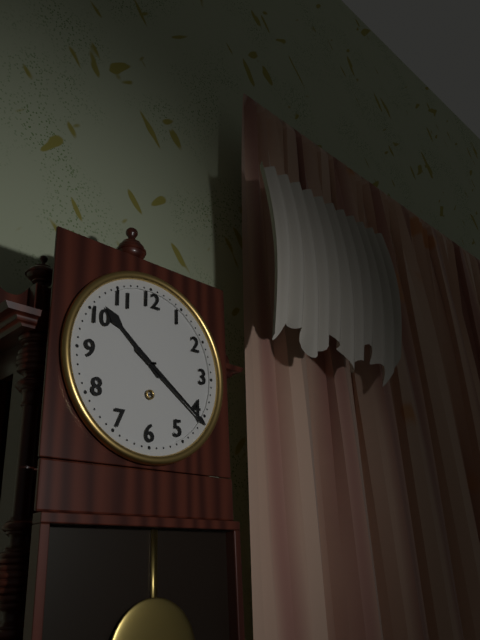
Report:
10,21
